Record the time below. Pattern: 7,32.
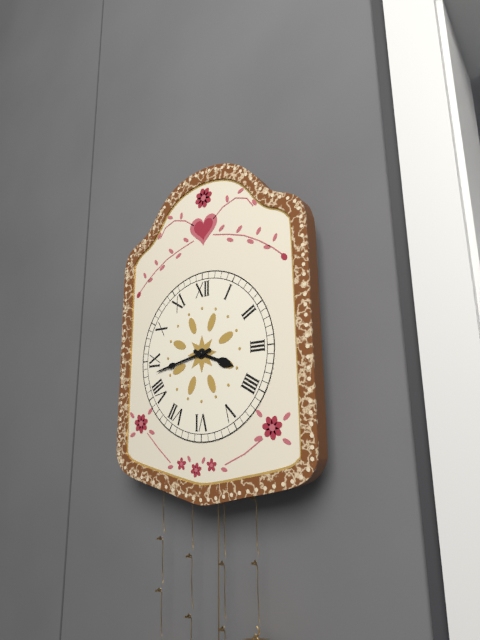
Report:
3,43
